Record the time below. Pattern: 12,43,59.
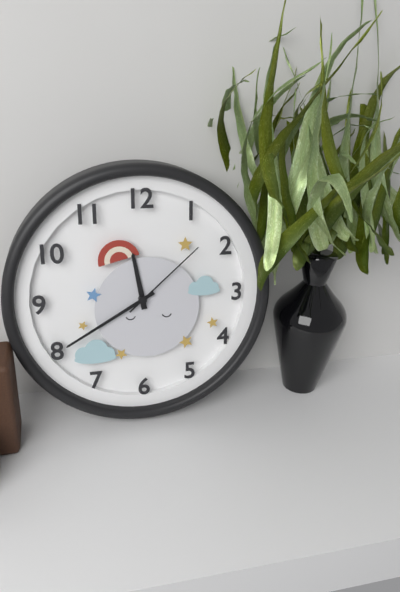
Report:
11,40,08
